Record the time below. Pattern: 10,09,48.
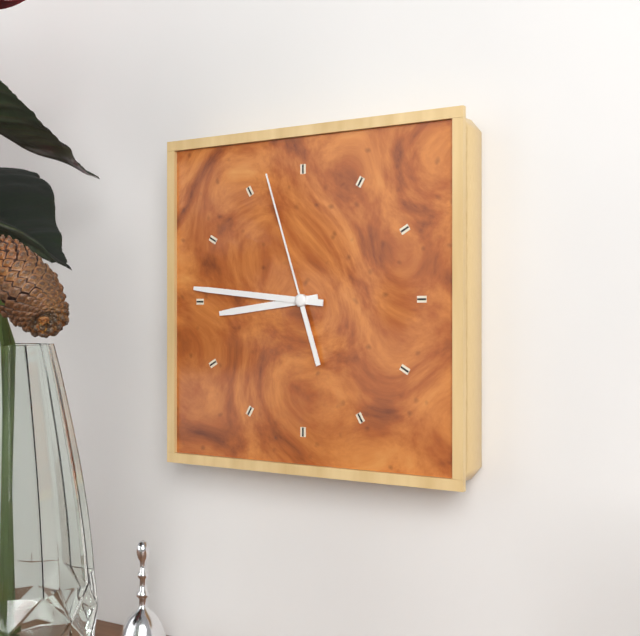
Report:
8,46,57
